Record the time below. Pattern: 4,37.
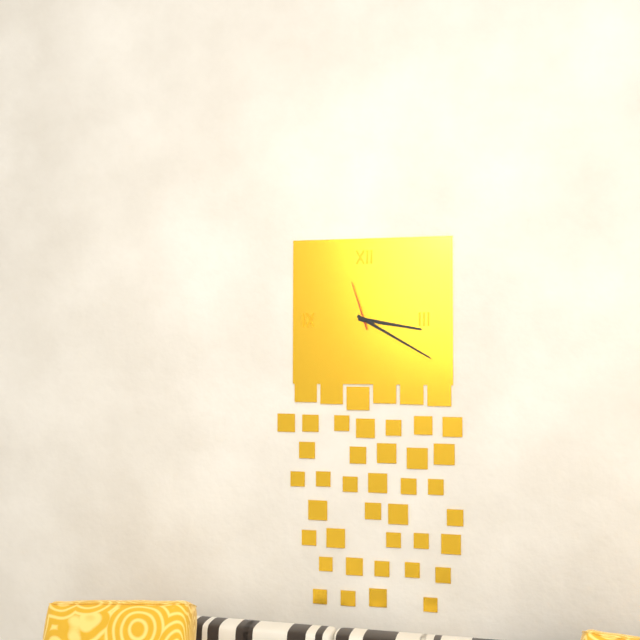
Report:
3,20
